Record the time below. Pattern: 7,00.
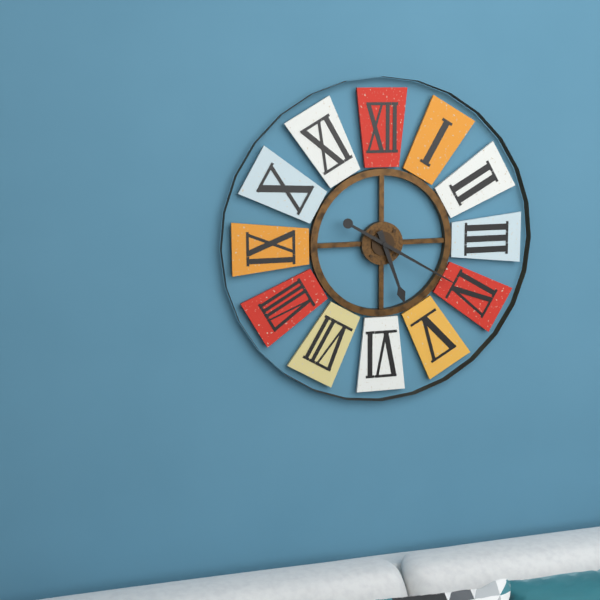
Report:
5,20
